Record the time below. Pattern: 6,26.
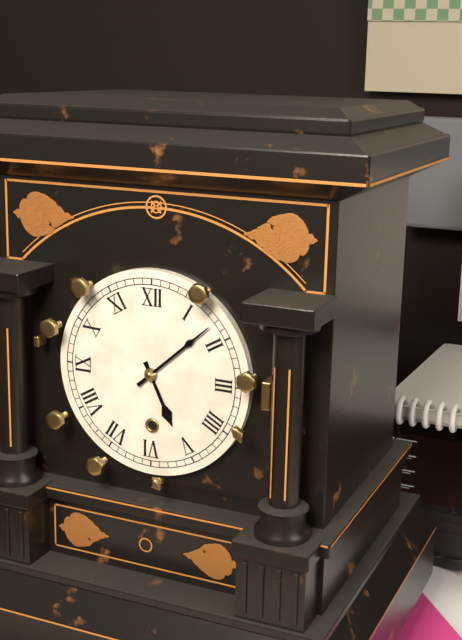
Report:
5,08
